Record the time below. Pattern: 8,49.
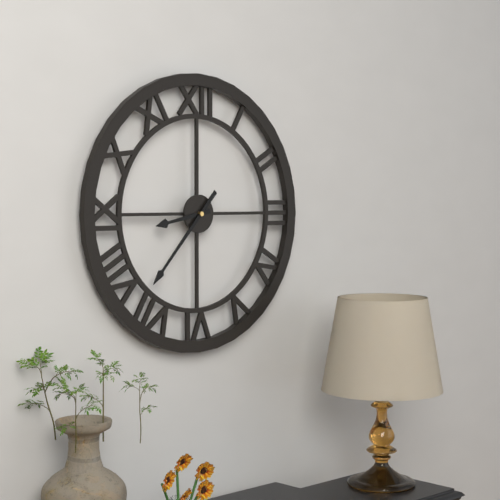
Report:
8,37
